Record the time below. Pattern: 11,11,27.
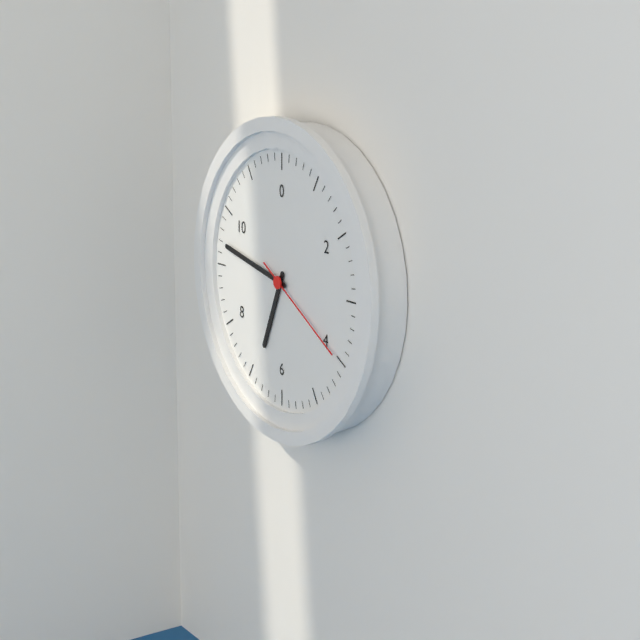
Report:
6,47,20
